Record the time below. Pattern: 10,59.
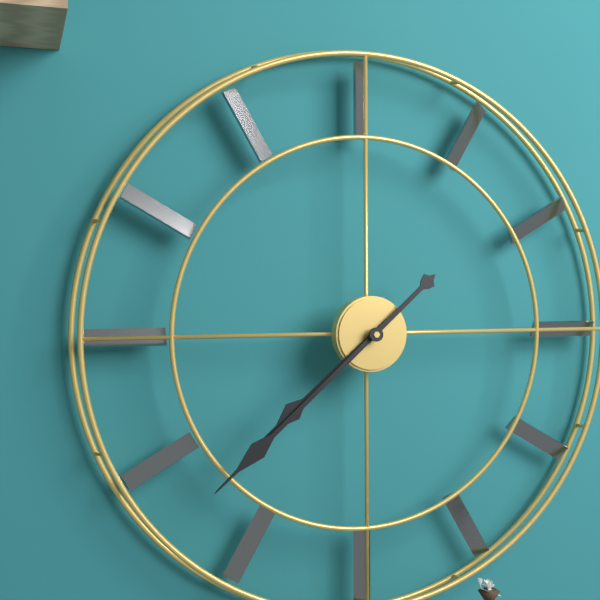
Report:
7,38
